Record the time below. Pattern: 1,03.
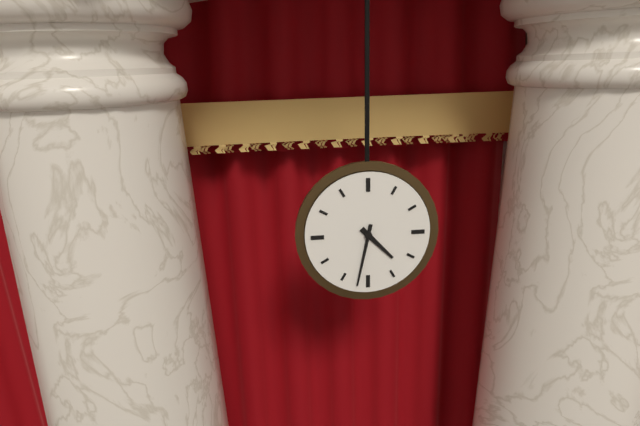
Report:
4,32
